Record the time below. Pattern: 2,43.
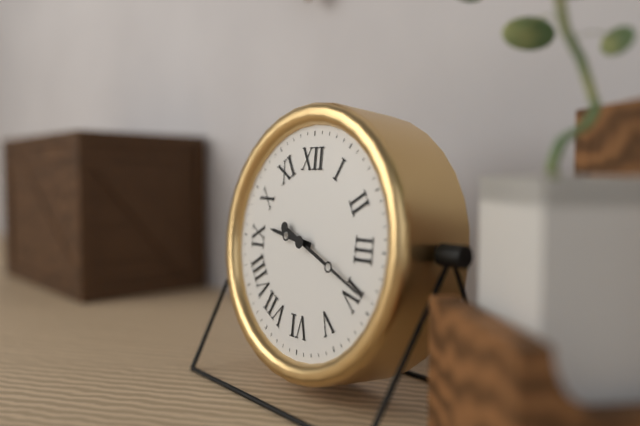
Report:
9,19
